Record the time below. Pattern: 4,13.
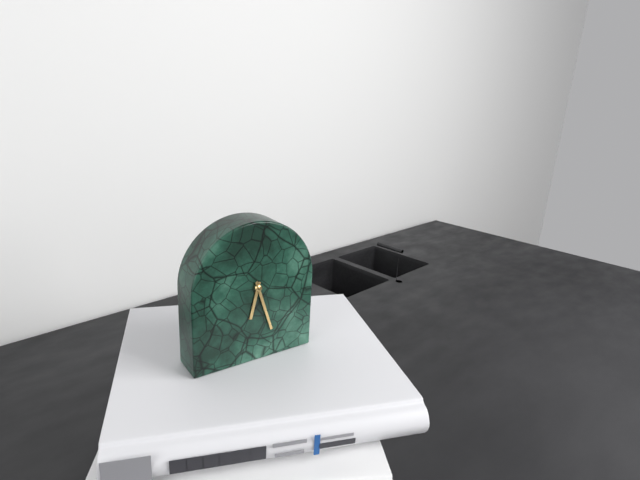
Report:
6,27
